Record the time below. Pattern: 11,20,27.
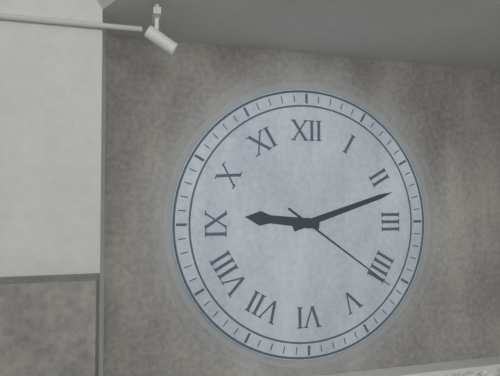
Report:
9,12,21
